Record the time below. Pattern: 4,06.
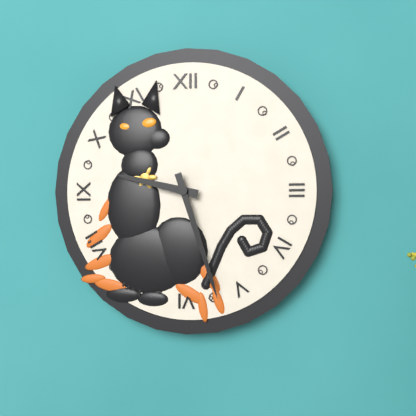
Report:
9,27
